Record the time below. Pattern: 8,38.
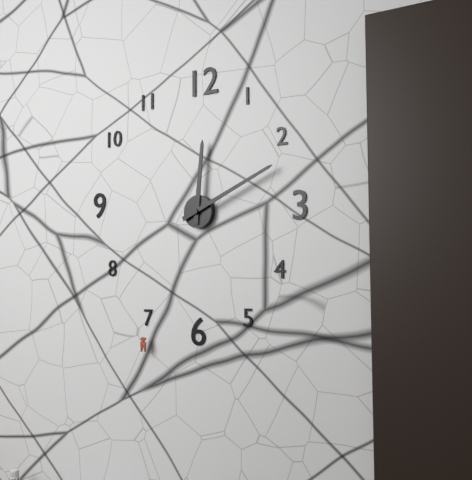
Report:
12,11
